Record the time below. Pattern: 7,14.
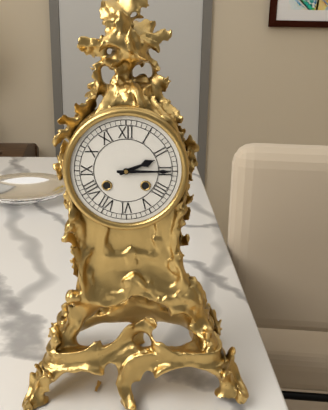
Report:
2,15
